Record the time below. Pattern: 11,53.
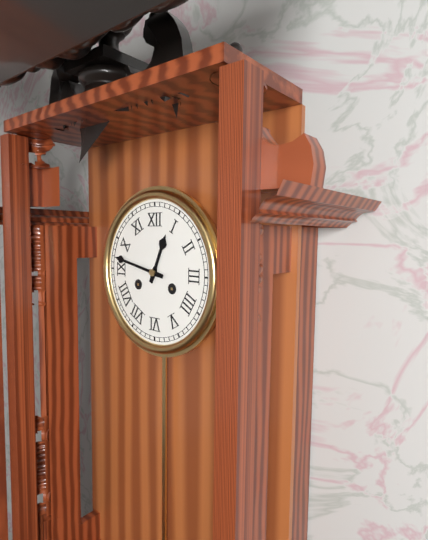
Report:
12,47
